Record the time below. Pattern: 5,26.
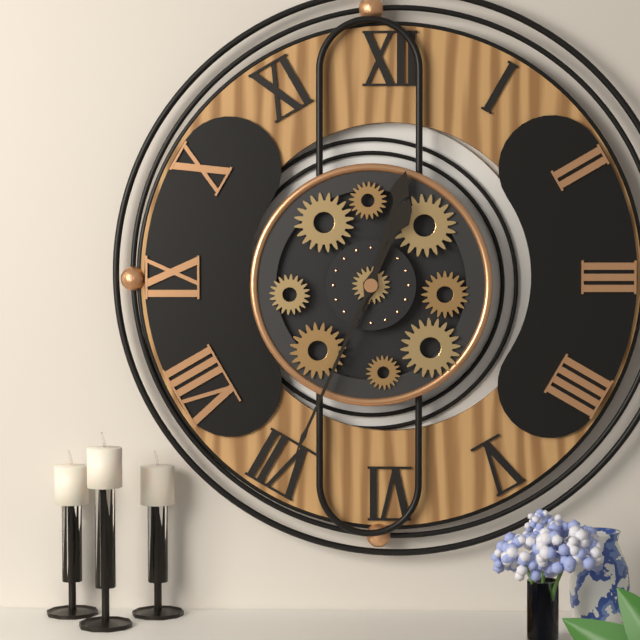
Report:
12,34
